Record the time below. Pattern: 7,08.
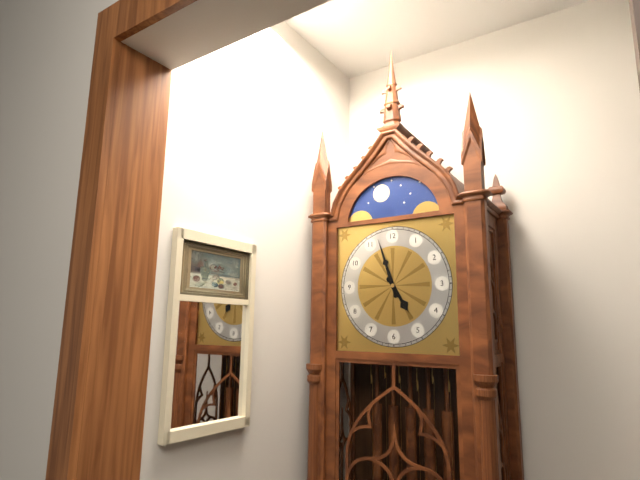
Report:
4,57
